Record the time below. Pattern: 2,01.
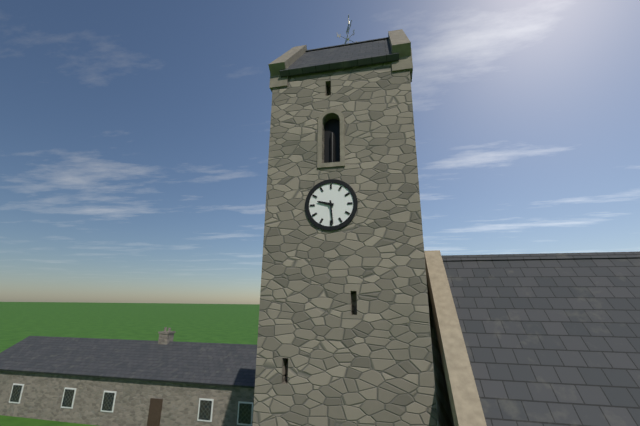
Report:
9,29
